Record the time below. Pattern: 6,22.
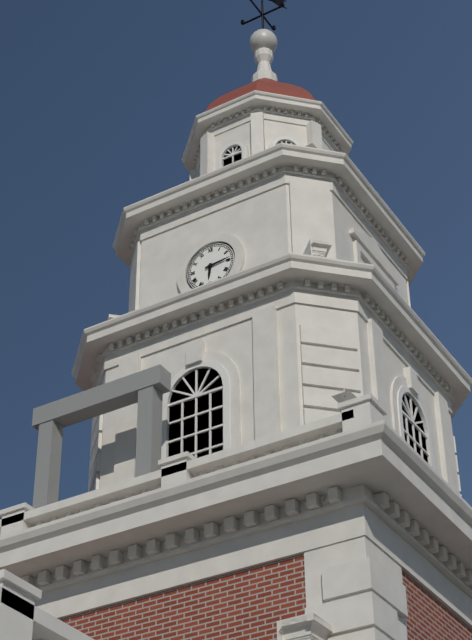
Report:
6,14
